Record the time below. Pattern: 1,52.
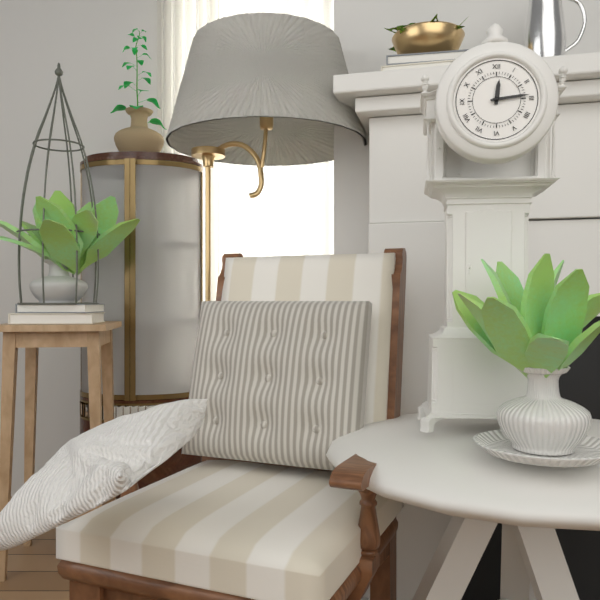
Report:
12,14
